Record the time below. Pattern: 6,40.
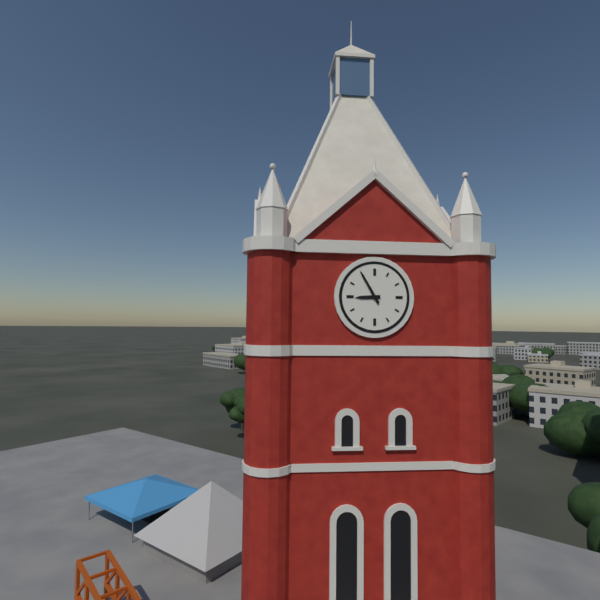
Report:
8,55
